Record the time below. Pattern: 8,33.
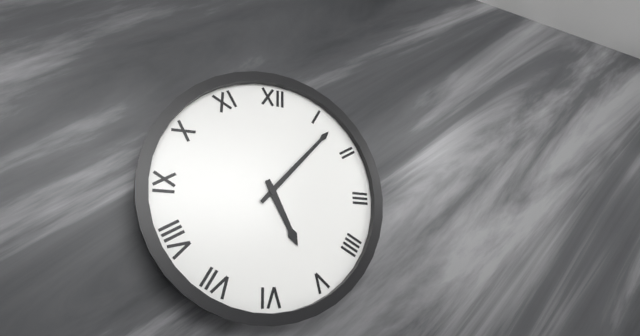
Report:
5,07
